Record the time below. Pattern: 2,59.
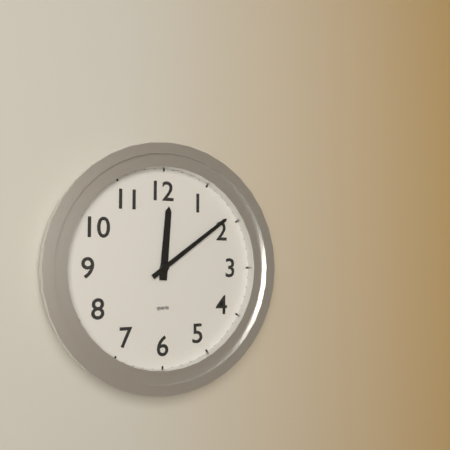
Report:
12,09
